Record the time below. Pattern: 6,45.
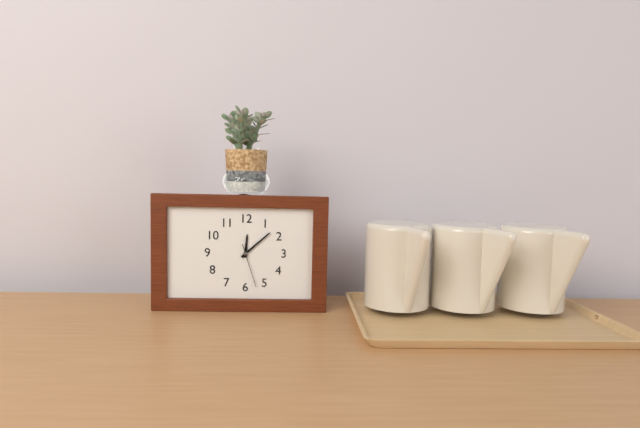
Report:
12,08
